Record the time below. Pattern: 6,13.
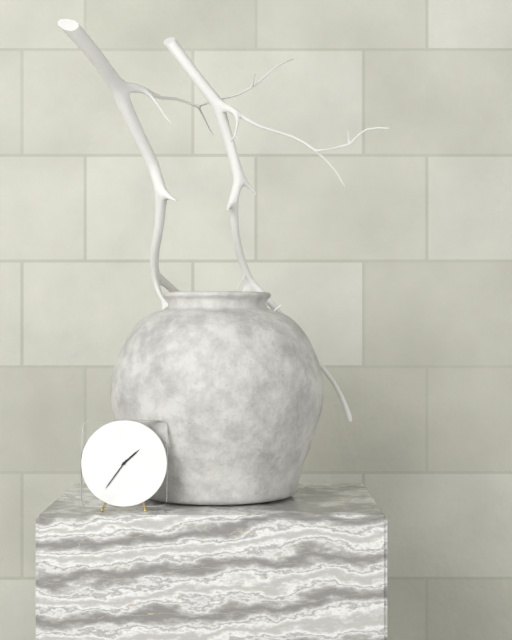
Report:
1,36
